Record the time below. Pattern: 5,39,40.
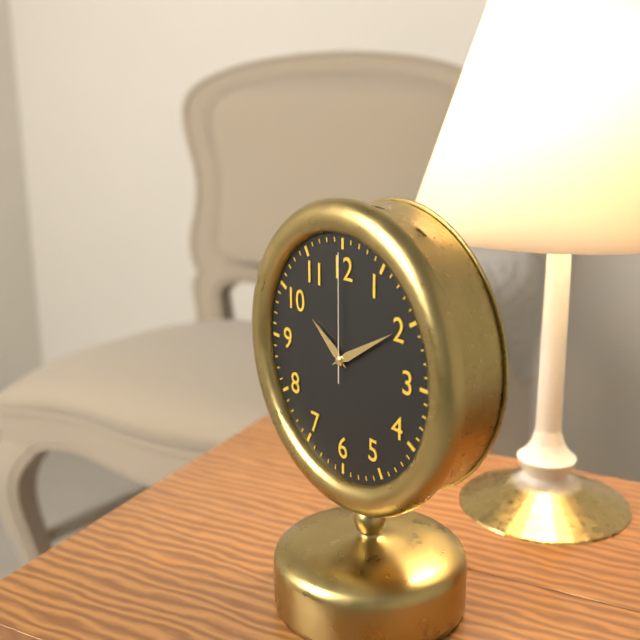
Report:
10,10,00
